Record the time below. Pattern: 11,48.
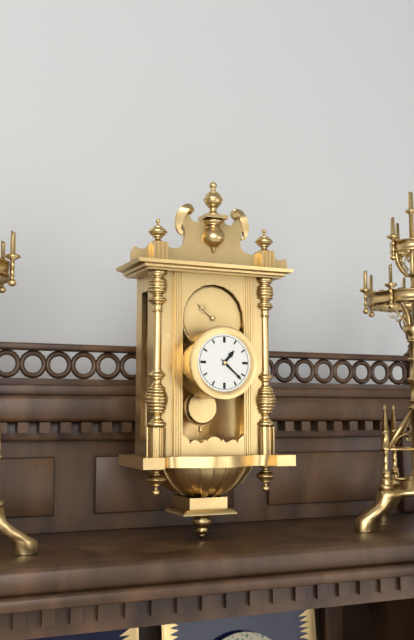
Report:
1,22
